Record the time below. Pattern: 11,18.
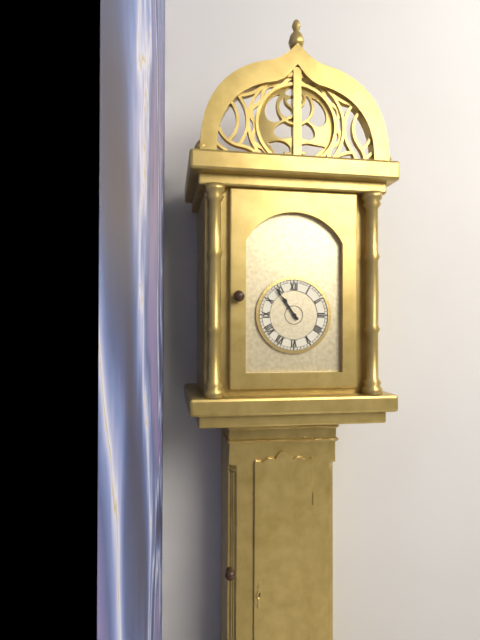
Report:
10,54
